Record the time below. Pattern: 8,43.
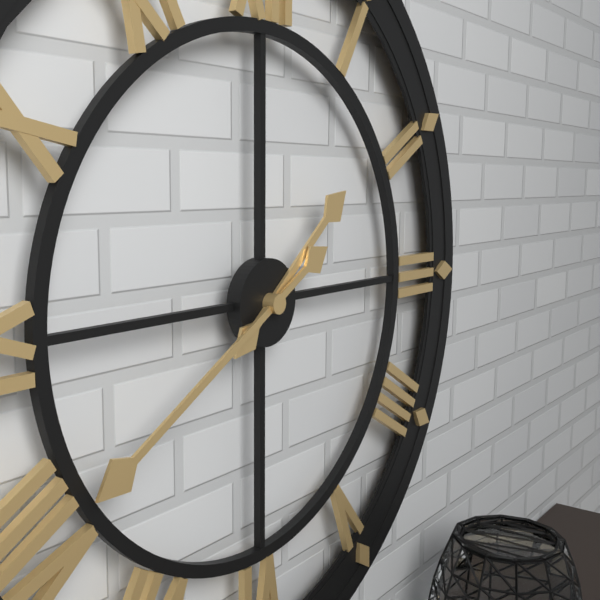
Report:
1,40
